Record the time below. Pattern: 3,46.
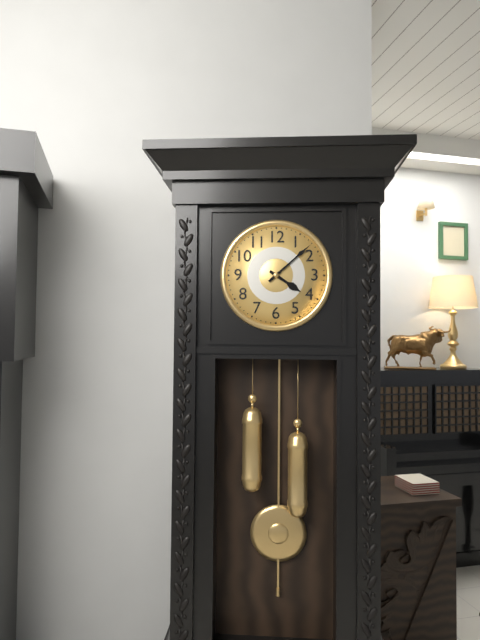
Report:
4,08
